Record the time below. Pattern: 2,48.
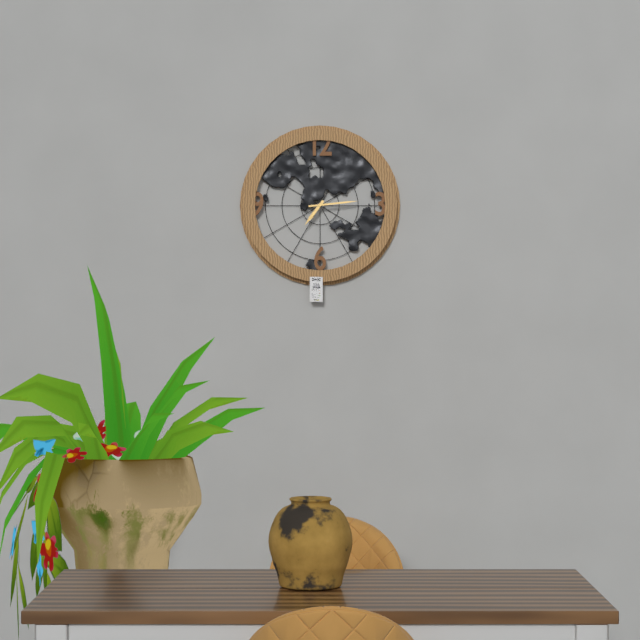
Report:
7,14
